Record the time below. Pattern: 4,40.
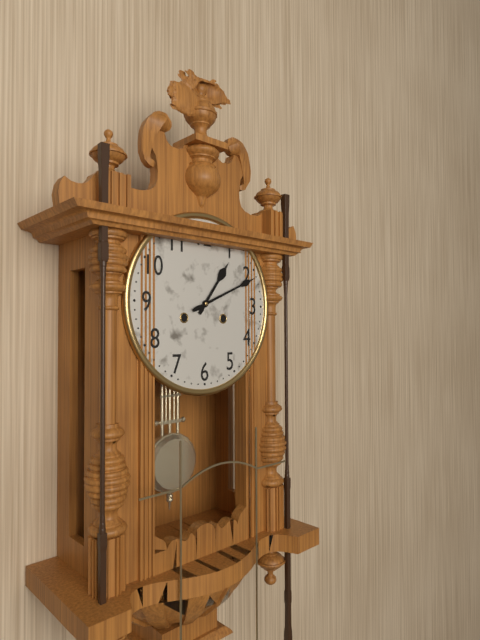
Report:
1,11
